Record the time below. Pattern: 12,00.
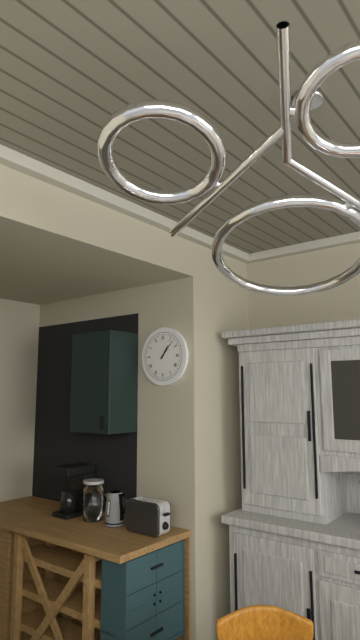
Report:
1,07
